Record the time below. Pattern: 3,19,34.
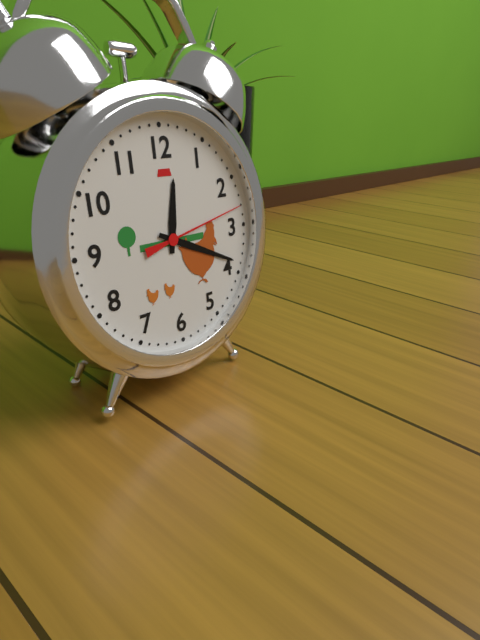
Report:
12,19,13
